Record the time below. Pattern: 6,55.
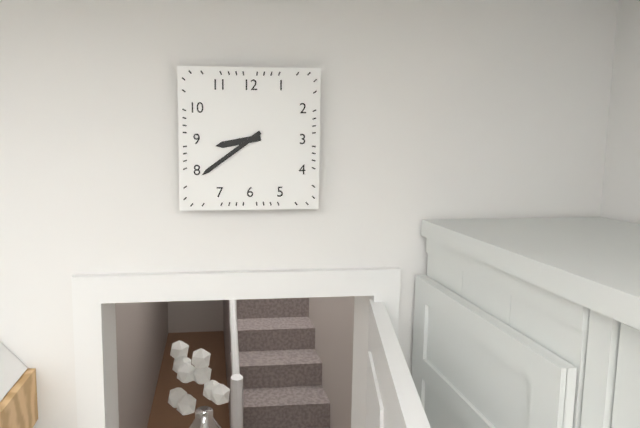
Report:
8,39
